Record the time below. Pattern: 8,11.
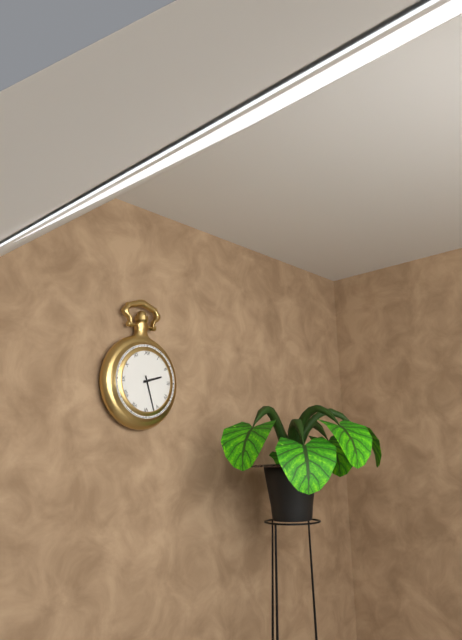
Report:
2,27
